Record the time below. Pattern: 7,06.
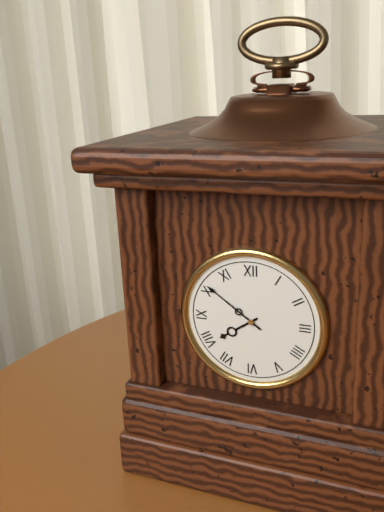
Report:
7,51
